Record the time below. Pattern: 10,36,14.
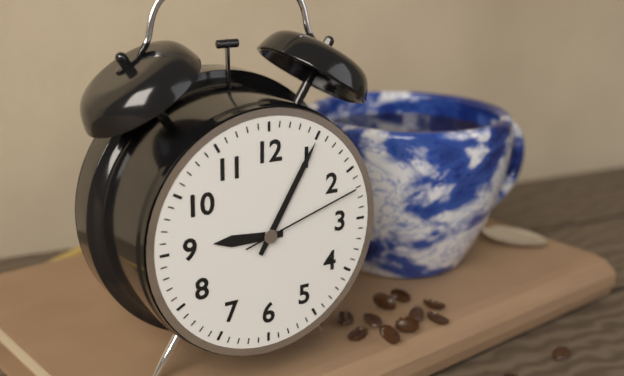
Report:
9,05,12
